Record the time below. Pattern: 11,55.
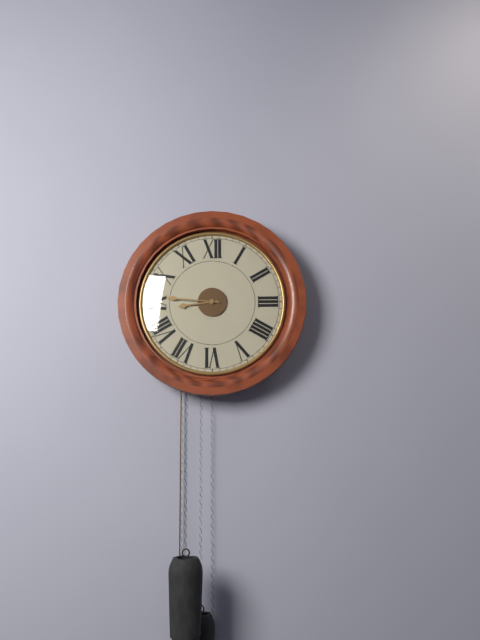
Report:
8,46
